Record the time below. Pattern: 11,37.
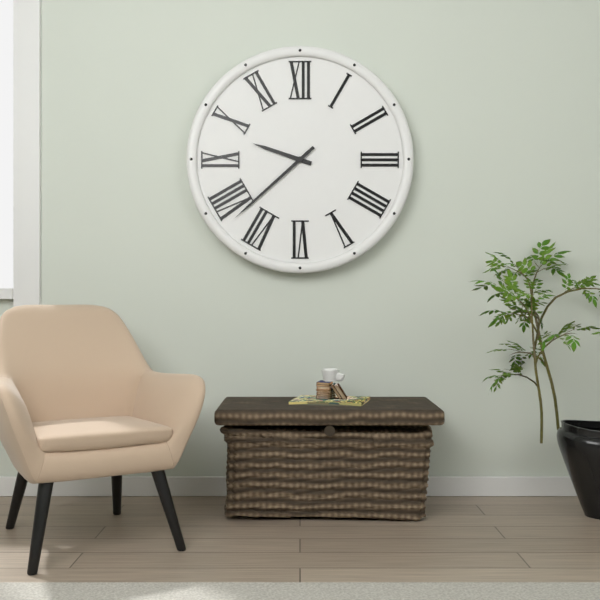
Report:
9,38
